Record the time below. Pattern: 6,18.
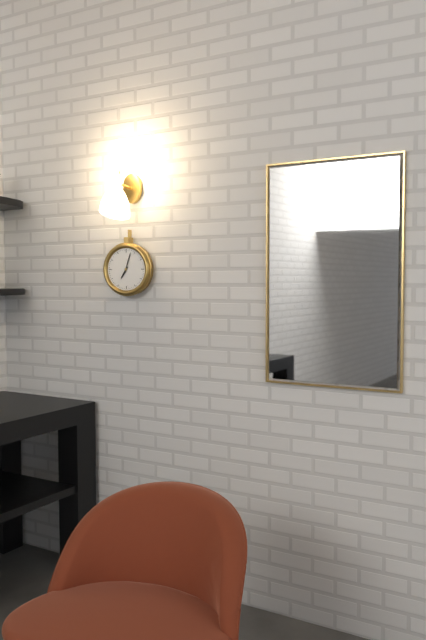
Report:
7,03
